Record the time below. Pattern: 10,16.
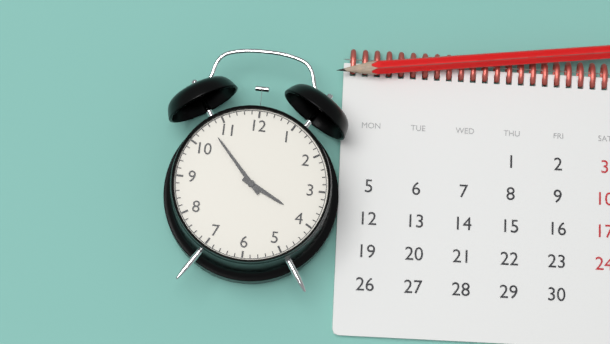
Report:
3,53
